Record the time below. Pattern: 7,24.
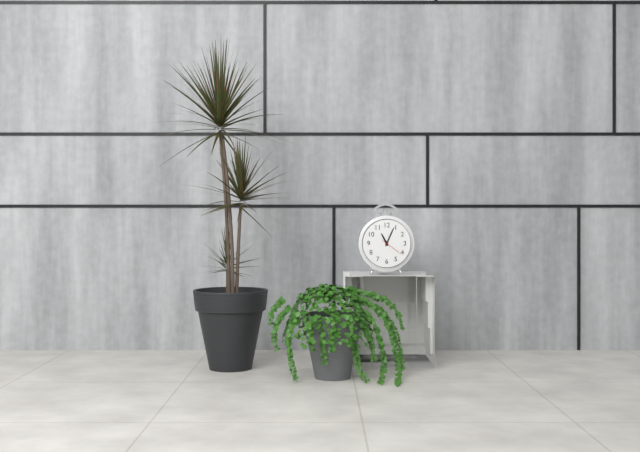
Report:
11,04
